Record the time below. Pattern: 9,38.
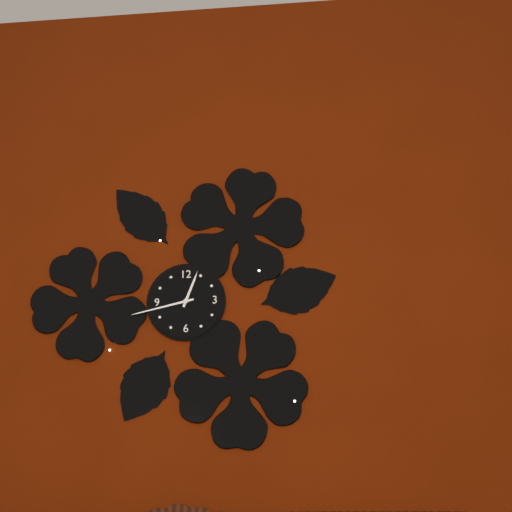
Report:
12,43
